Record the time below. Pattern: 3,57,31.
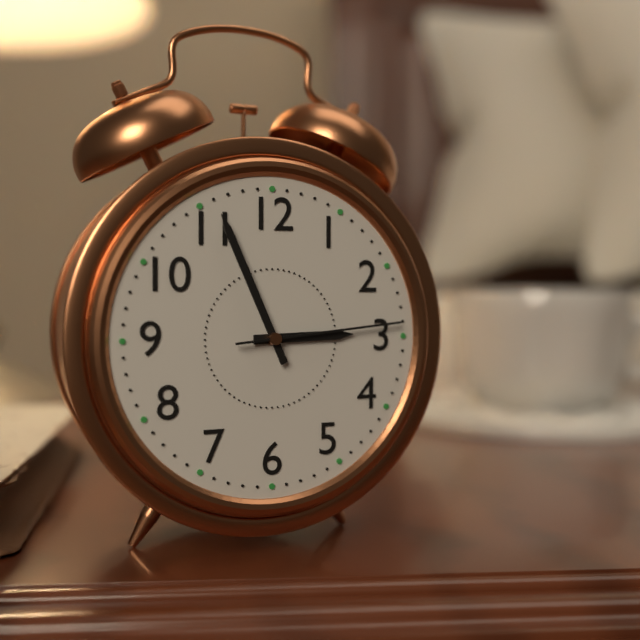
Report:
2,56,14
